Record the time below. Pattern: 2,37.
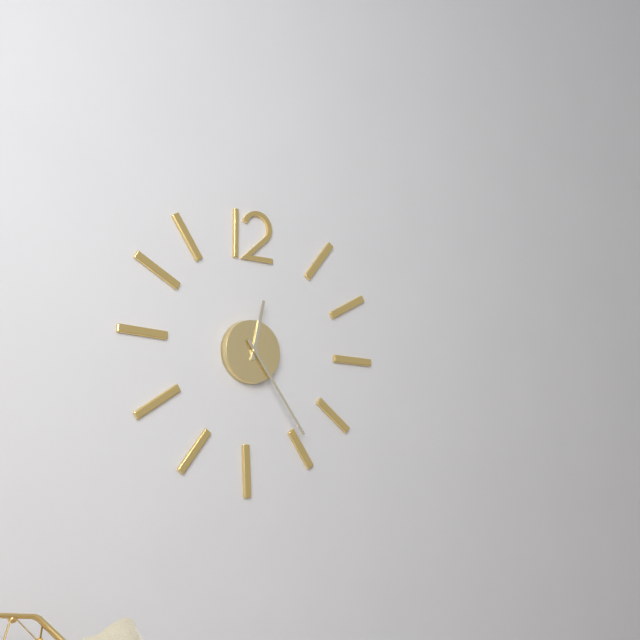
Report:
12,24
